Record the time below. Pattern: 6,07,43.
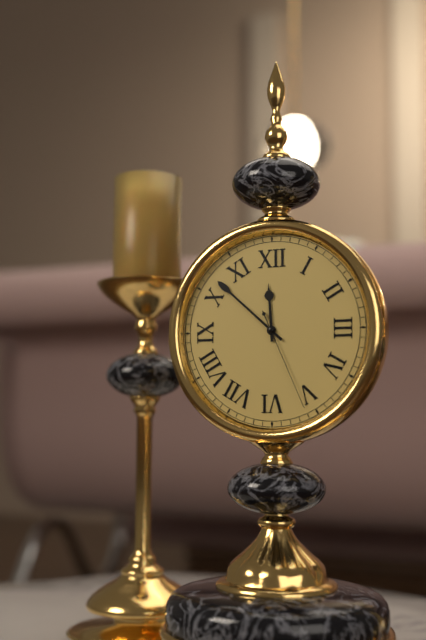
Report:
11,52,26
